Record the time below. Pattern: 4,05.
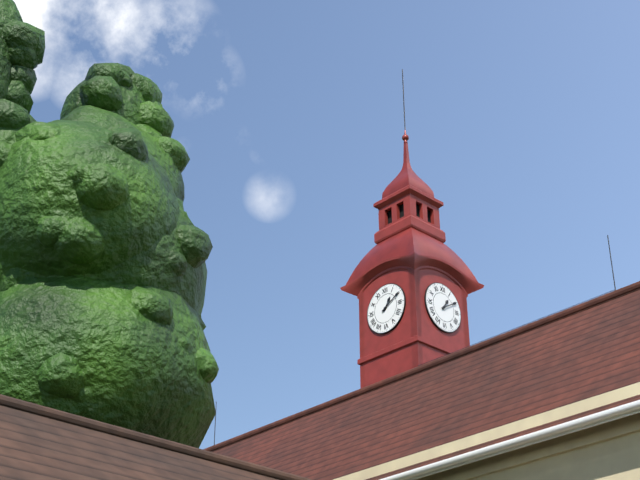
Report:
1,10
